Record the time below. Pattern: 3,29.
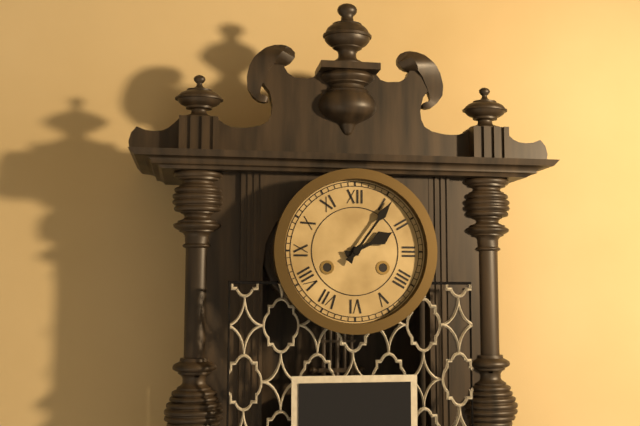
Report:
2,06
